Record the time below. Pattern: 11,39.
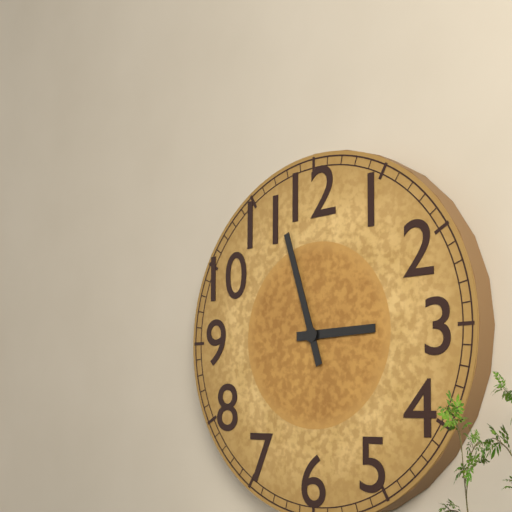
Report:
2,57
